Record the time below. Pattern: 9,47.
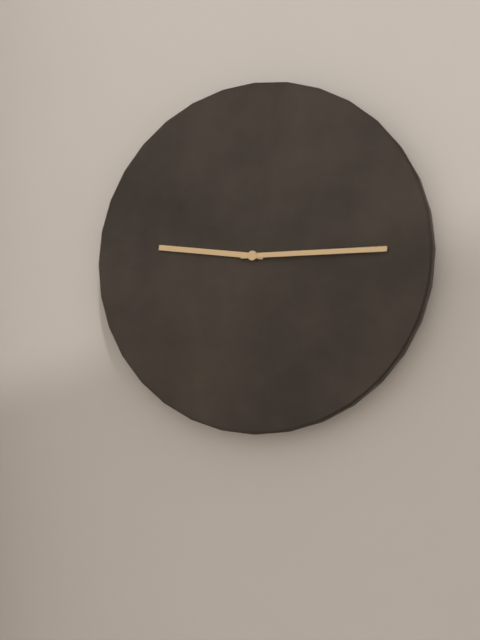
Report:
9,15
